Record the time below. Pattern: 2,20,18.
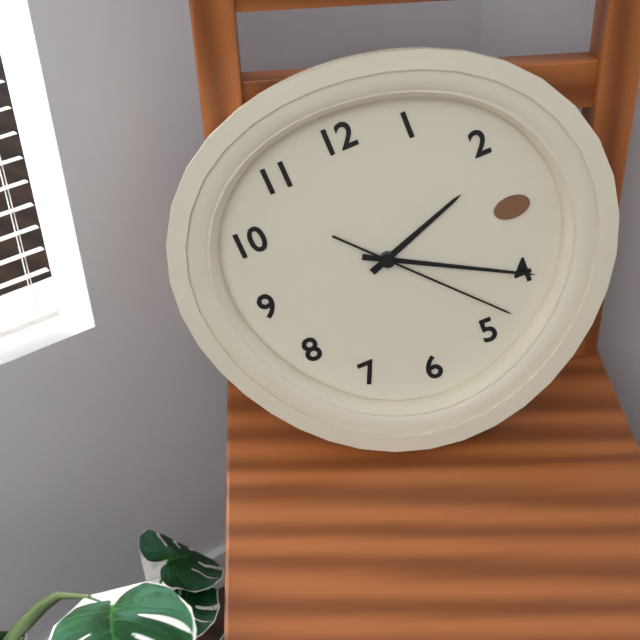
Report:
2,20,23
